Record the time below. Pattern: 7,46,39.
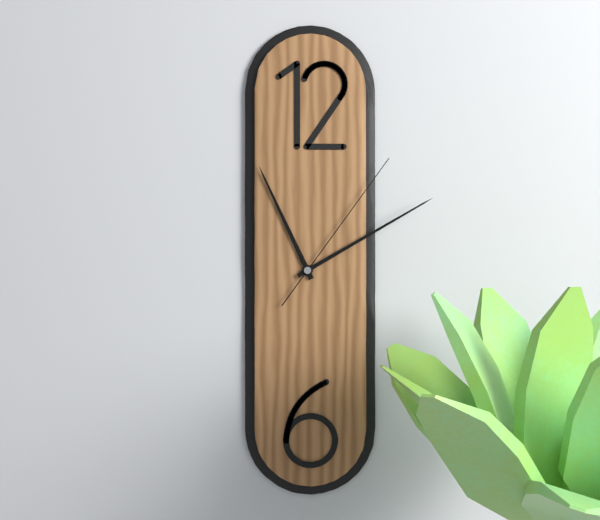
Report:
11,10,06
